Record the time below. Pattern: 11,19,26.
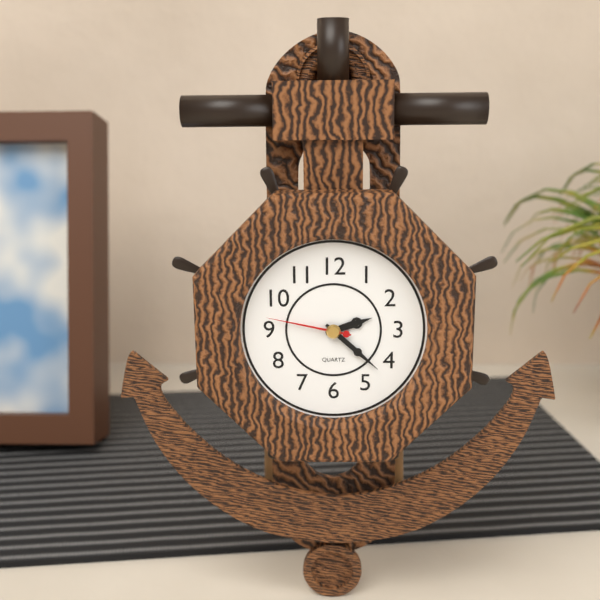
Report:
2,22,47
